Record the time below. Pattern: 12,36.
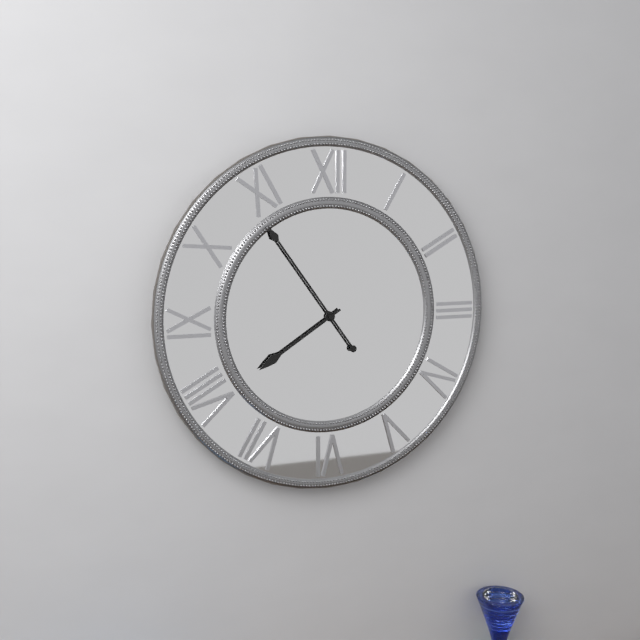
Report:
7,54
